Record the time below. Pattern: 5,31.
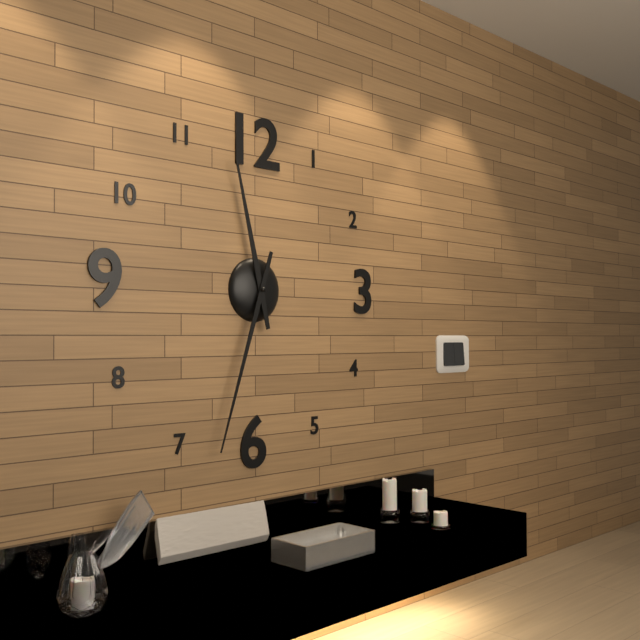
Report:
11,33
